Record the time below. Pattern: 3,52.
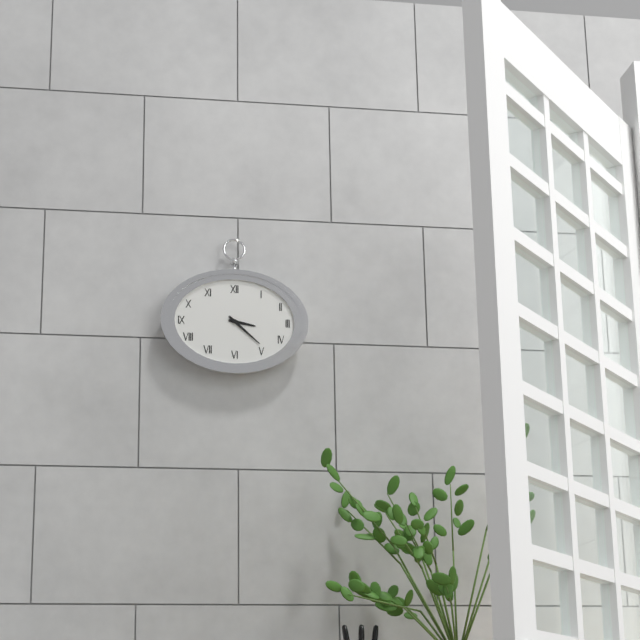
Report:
3,22
